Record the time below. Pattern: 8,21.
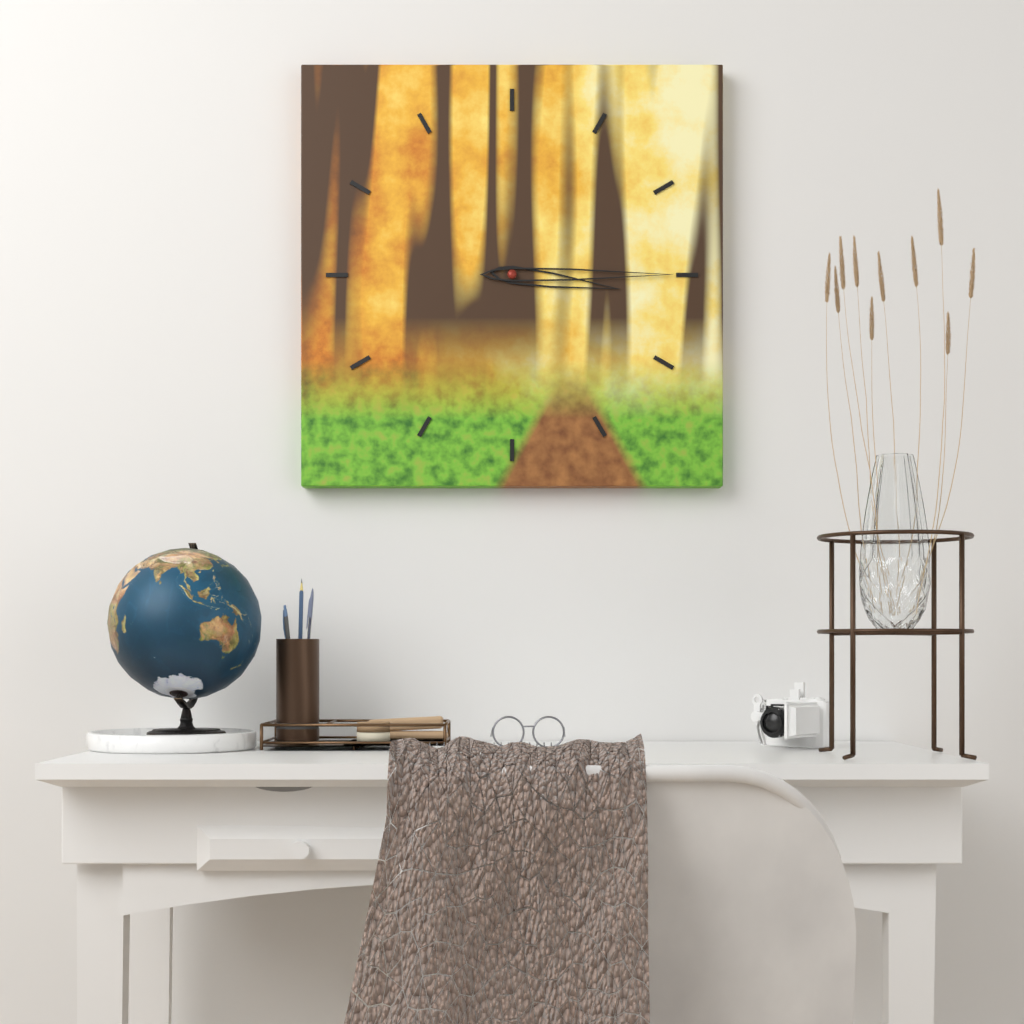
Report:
3,15
